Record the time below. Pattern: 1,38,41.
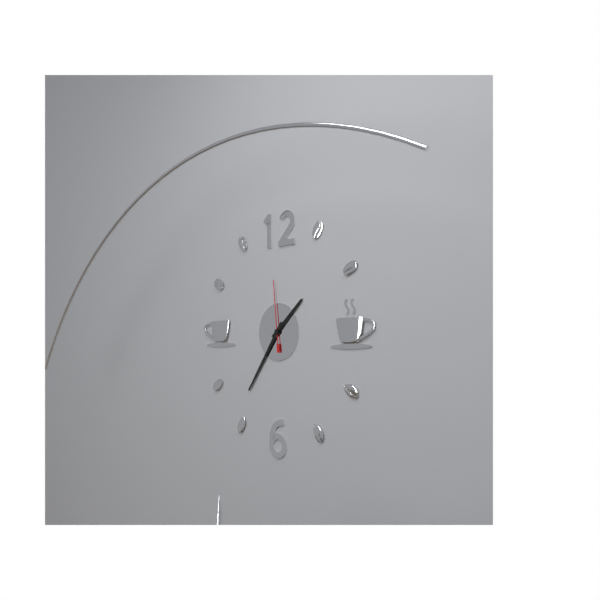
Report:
1,36,59
